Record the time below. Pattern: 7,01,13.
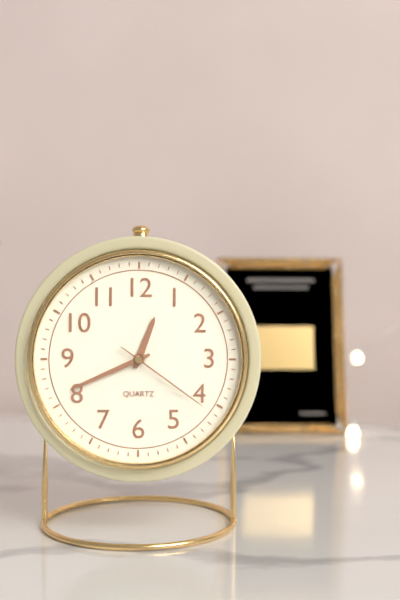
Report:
12,41,21
